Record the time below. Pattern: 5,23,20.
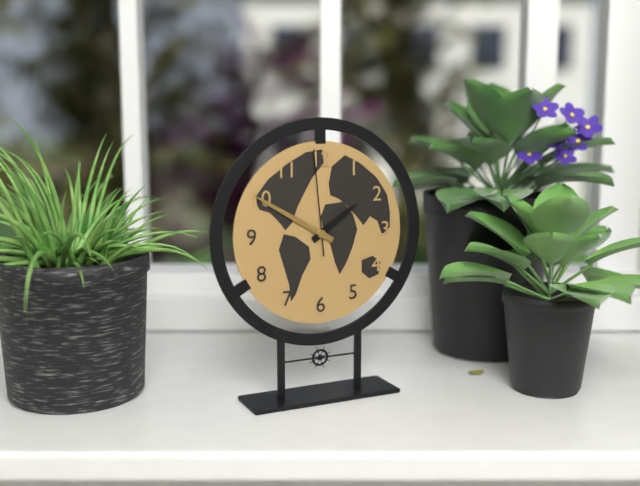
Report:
1,50,59
